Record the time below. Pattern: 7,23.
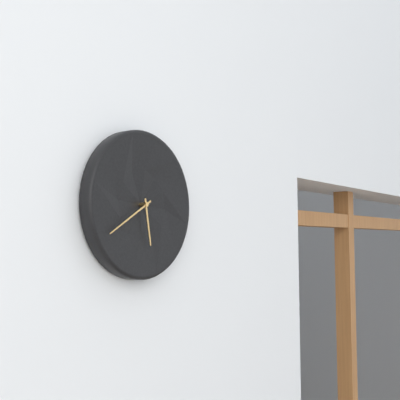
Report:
5,40
